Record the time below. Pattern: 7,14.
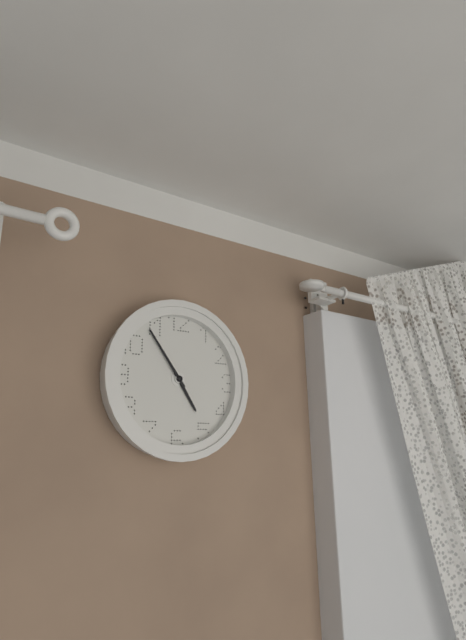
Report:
4,54
